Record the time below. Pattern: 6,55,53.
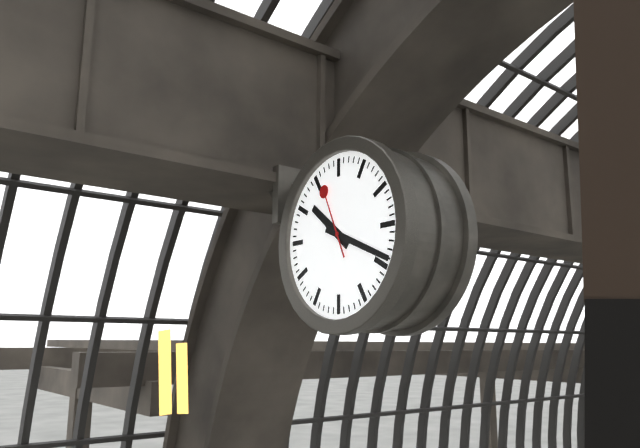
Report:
10,19,56
